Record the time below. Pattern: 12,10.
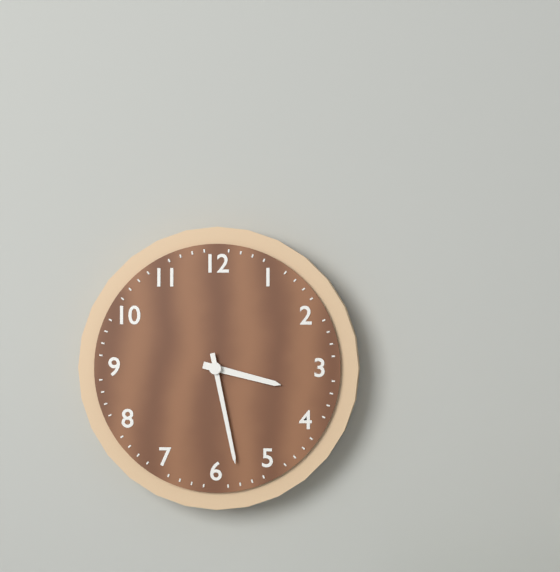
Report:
3,28
